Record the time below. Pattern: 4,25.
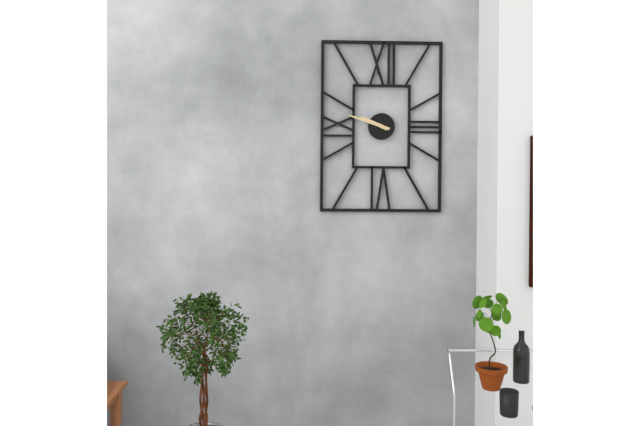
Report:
9,48
